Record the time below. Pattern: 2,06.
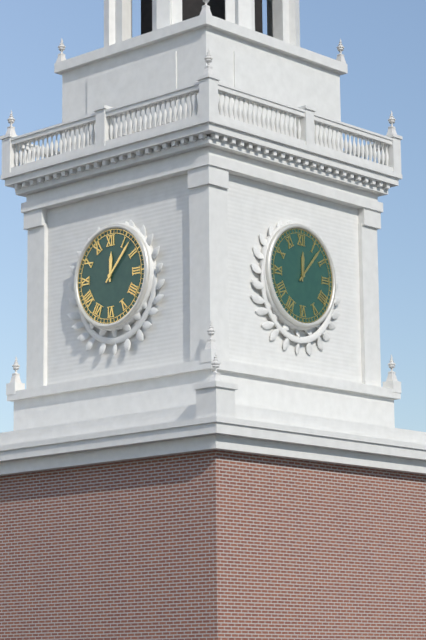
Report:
12,07
